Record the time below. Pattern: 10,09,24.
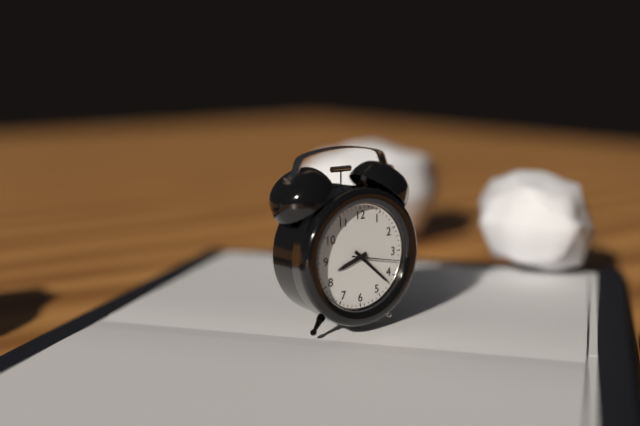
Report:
8,22,17
